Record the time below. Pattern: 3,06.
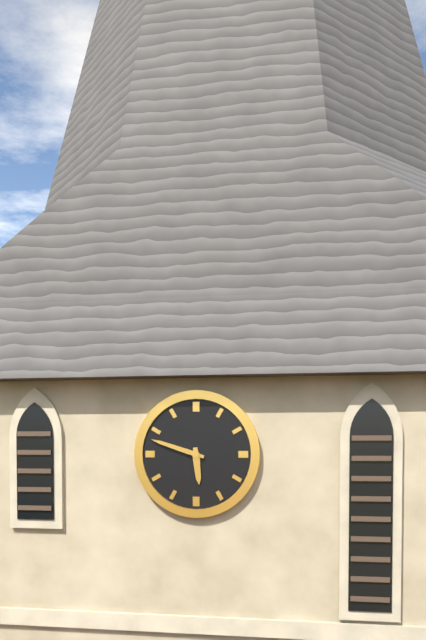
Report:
5,48
